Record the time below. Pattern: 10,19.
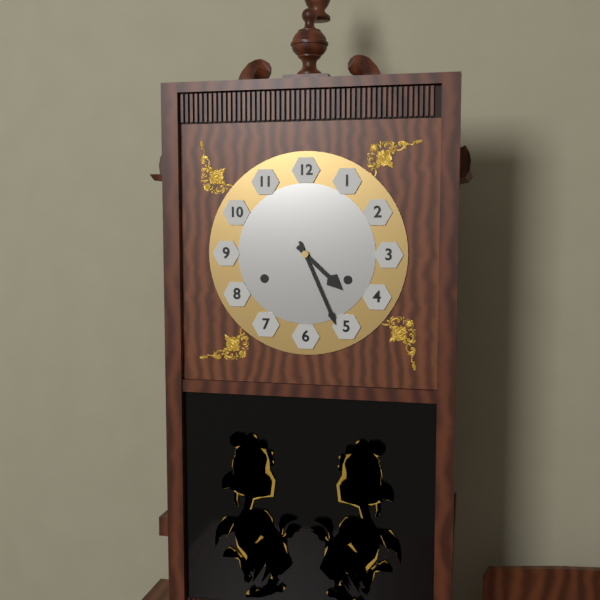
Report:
4,26
